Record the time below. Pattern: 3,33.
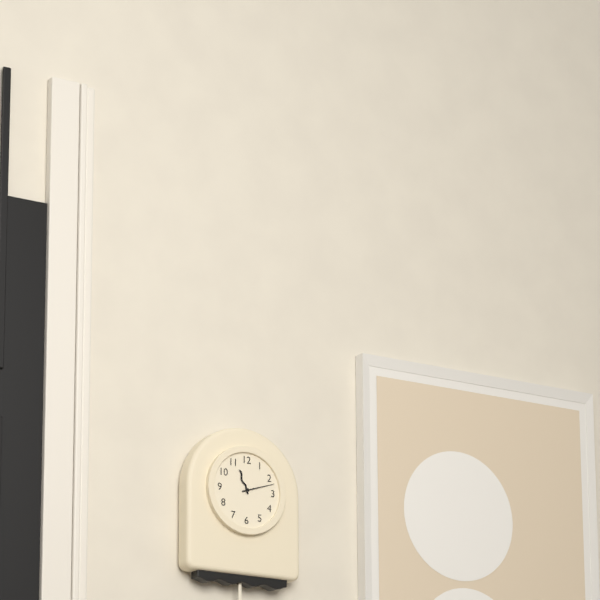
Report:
11,12
